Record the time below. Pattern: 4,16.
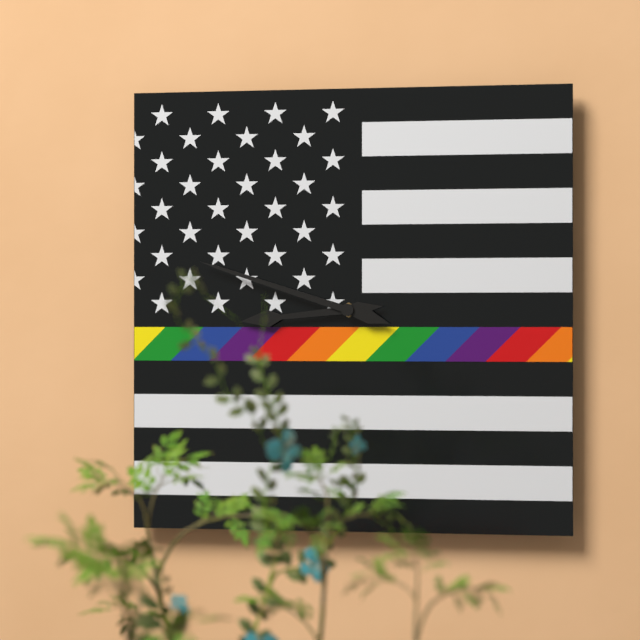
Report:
8,48
